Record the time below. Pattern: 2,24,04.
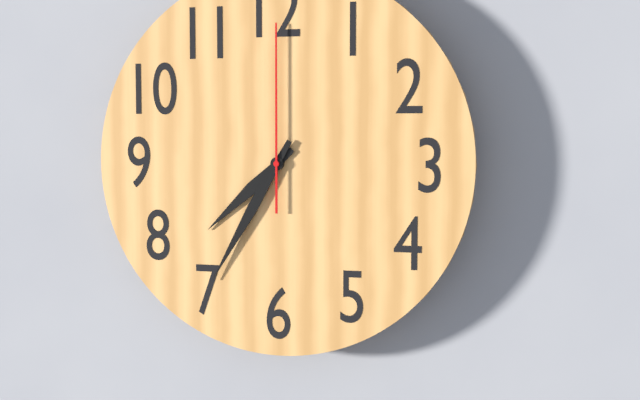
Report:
7,35,00
